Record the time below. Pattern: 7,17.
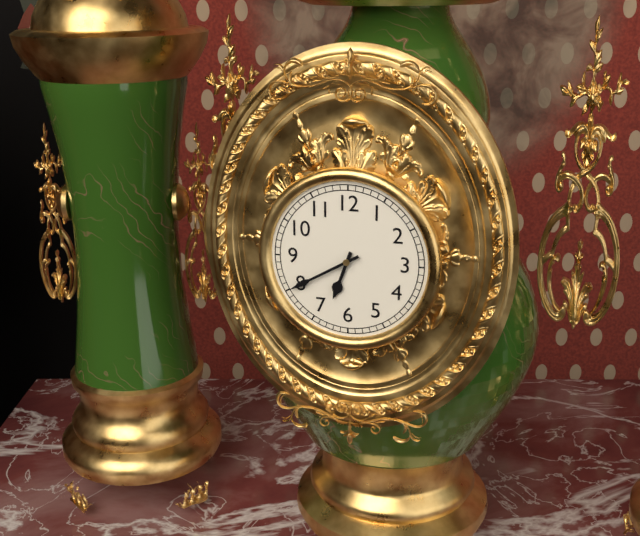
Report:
6,40
